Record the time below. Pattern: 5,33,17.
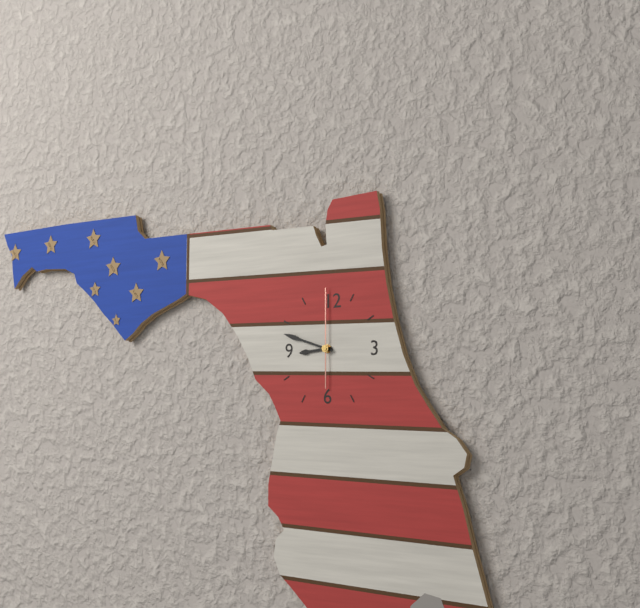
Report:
8,48,00
